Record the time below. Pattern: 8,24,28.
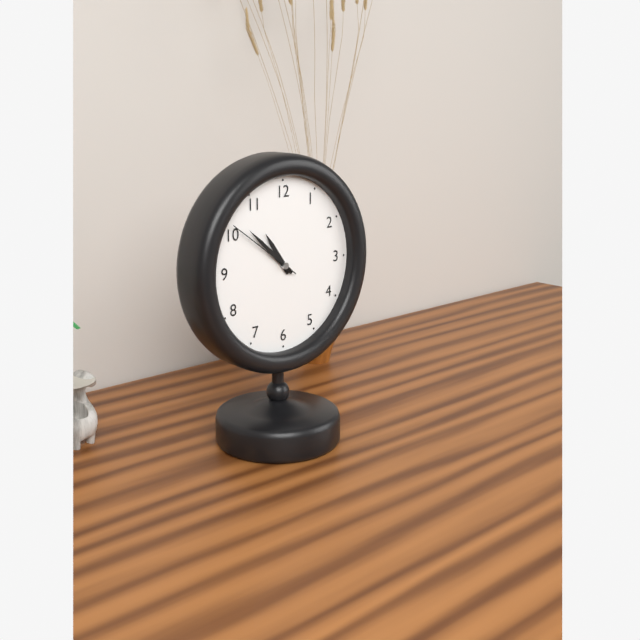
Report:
10,52,51
